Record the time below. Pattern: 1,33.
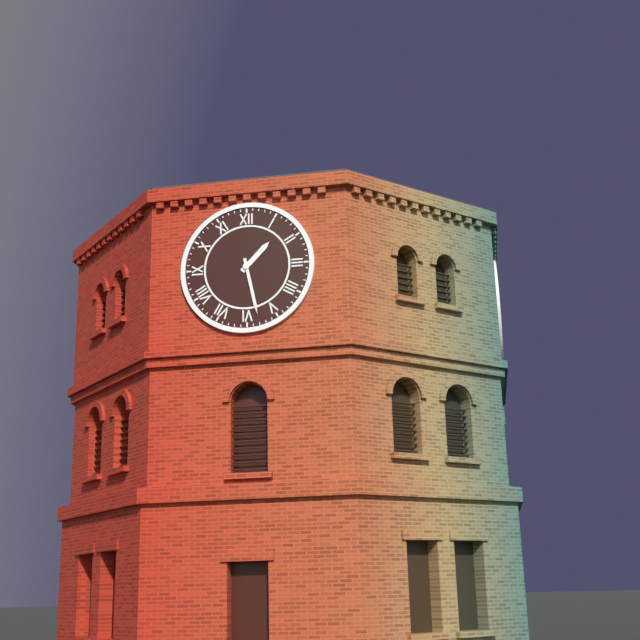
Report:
1,28
